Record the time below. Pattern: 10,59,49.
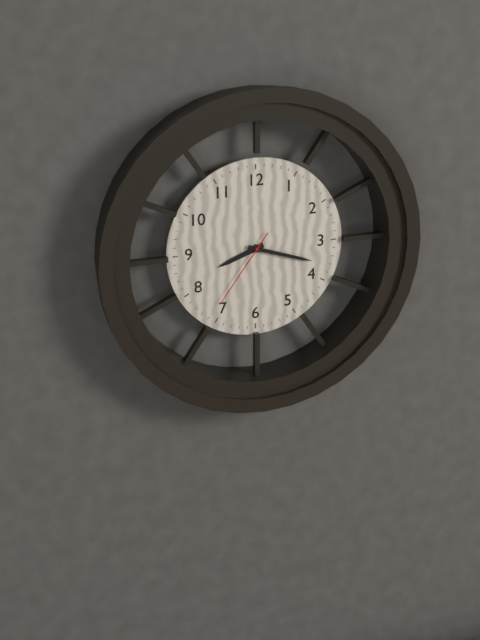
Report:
8,18,36
